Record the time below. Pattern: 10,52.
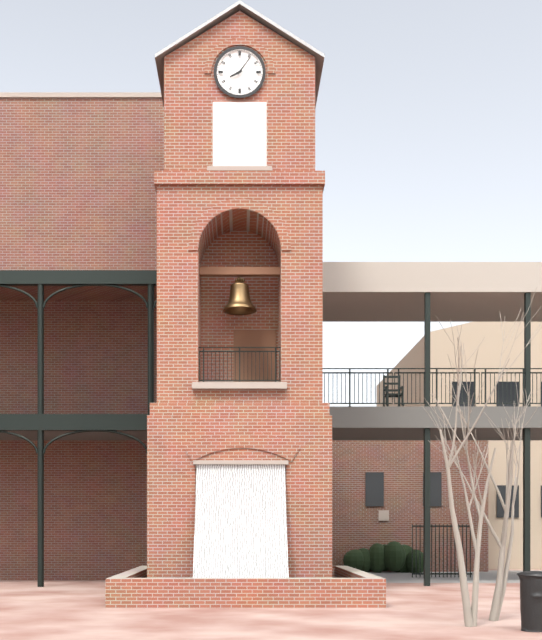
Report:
8,06
